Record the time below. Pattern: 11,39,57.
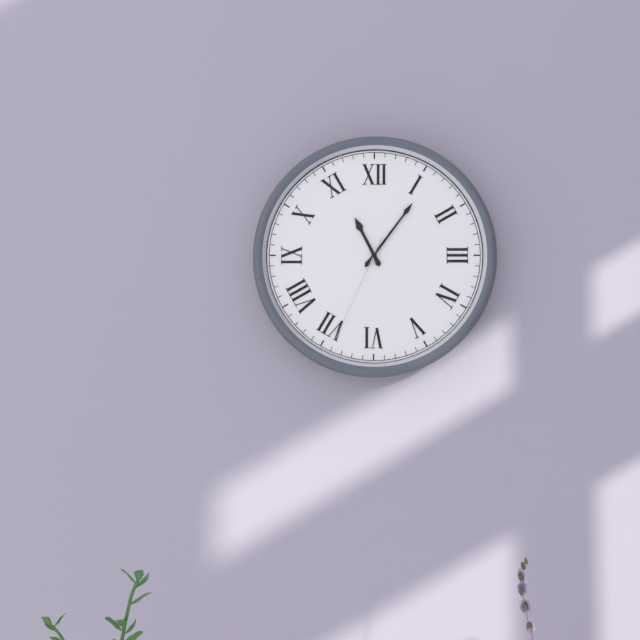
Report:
11,06,34
